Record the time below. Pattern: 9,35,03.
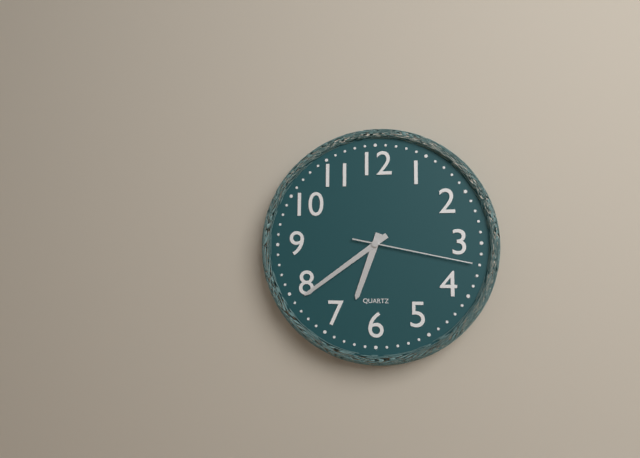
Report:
6,39,17
